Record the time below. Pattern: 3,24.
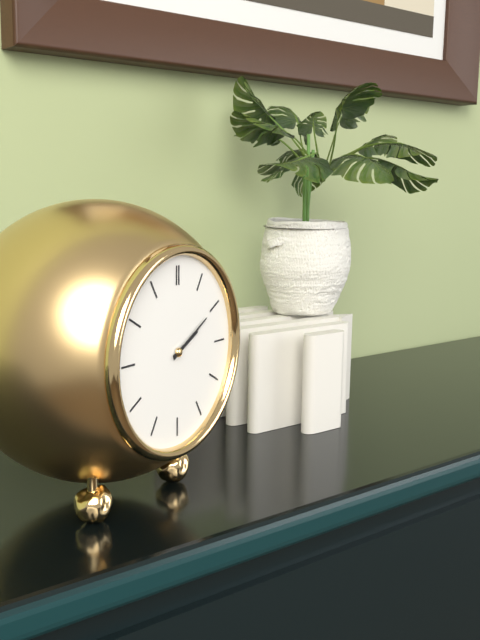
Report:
2,10
